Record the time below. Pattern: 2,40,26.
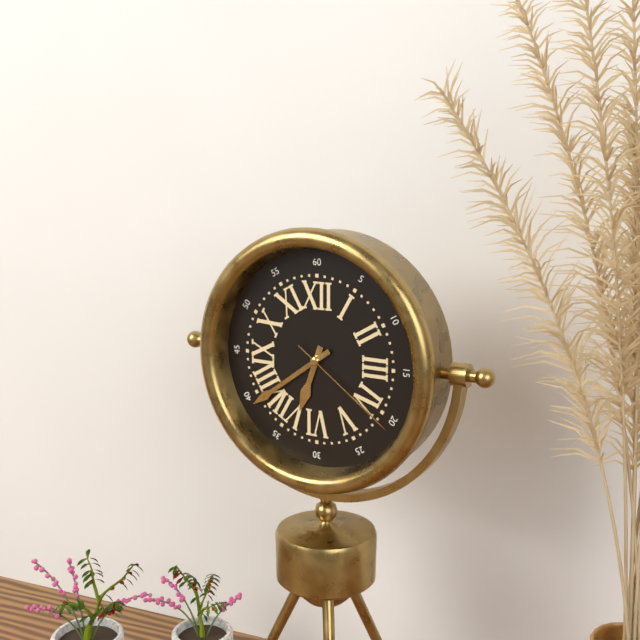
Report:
6,39,21
